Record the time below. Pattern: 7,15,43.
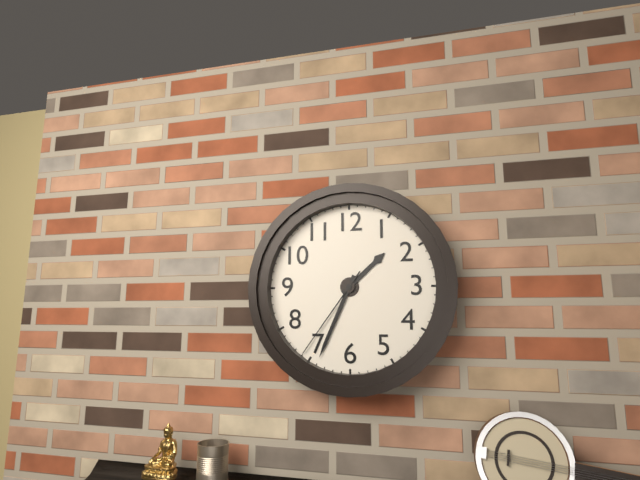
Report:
1,34,36
